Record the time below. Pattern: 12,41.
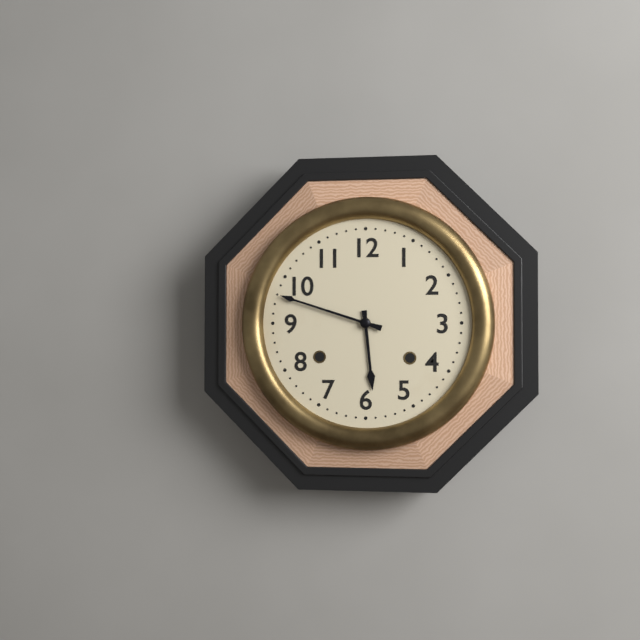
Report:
5,48
